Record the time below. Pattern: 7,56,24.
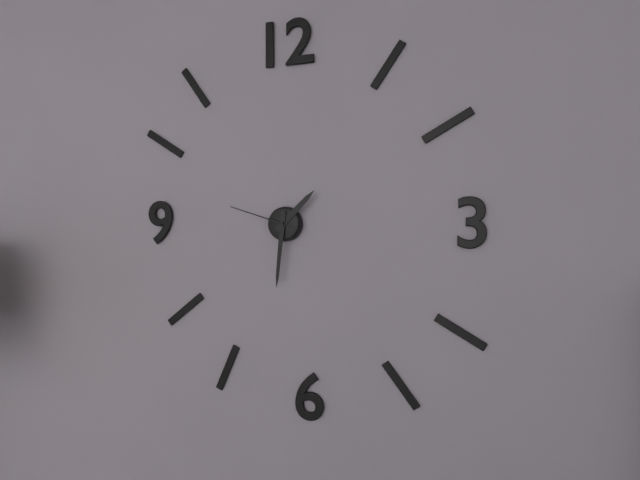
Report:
1,31,48
